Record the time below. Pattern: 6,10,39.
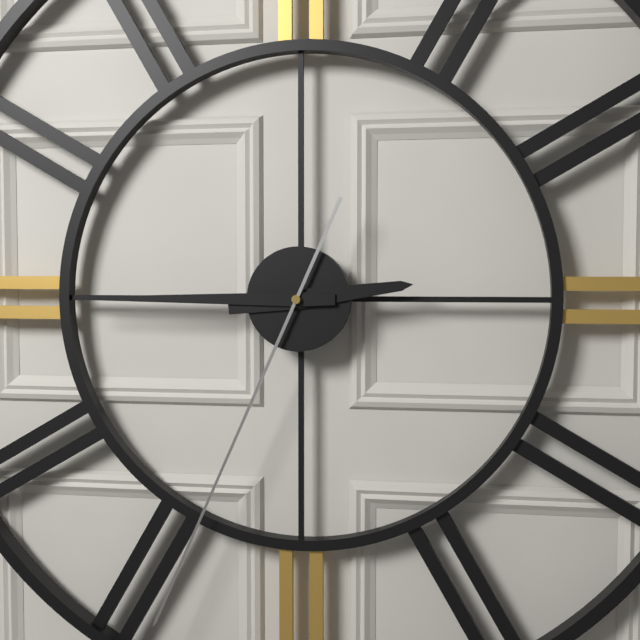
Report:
2,45,34
